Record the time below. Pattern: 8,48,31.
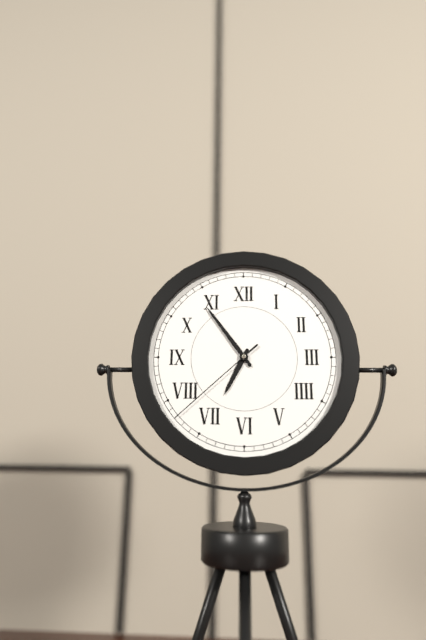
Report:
6,54,38
